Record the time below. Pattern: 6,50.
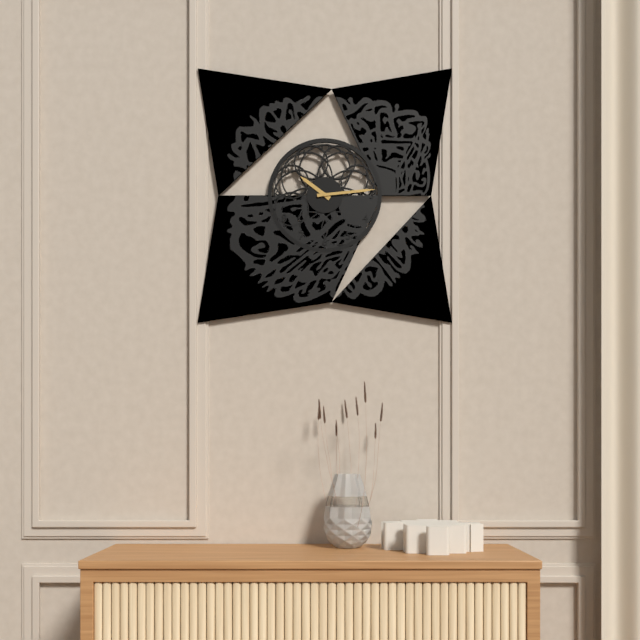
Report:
10,14
